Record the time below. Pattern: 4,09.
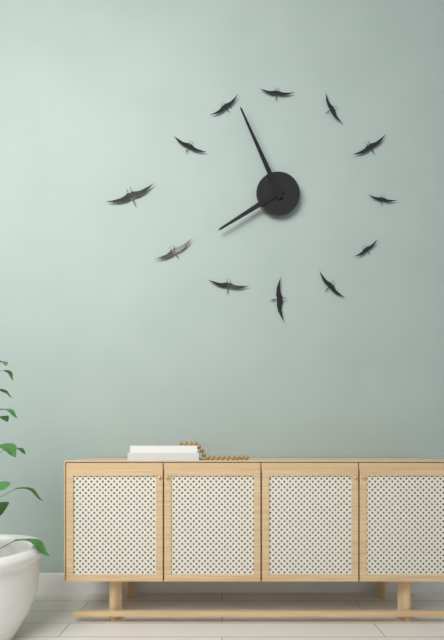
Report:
7,56
